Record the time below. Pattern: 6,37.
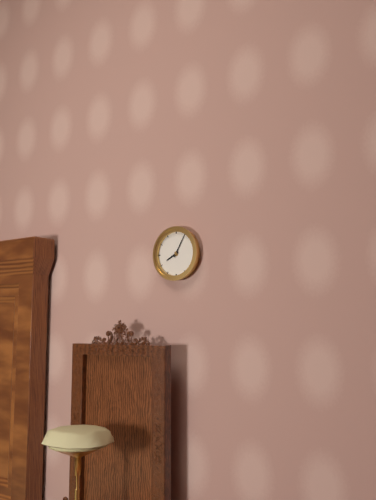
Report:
8,05
